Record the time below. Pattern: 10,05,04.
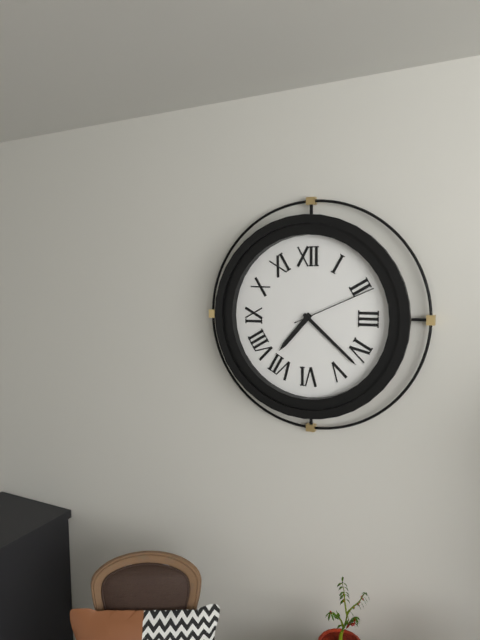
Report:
7,22,11
